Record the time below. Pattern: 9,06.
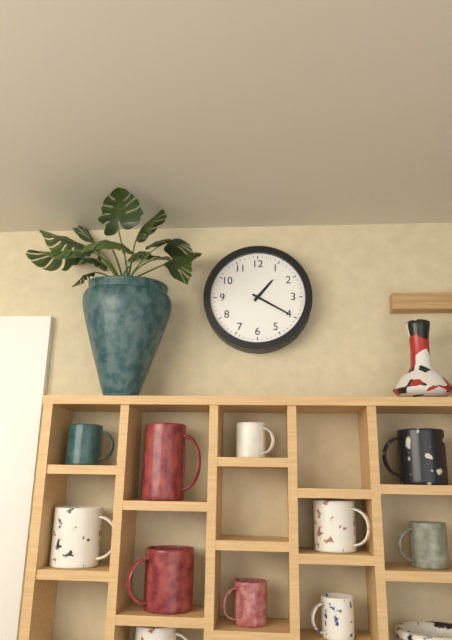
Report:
1,20
